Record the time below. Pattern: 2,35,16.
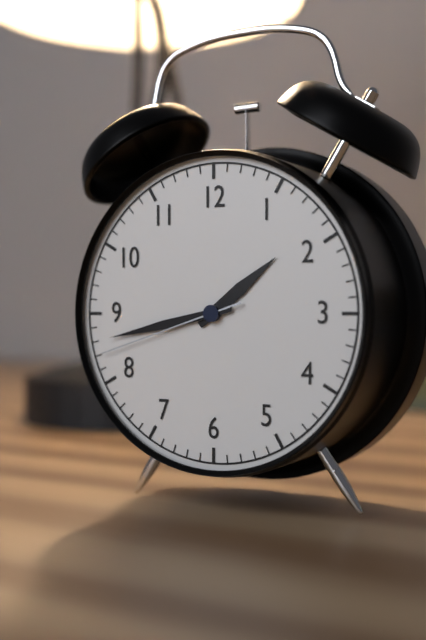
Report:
1,43,42
